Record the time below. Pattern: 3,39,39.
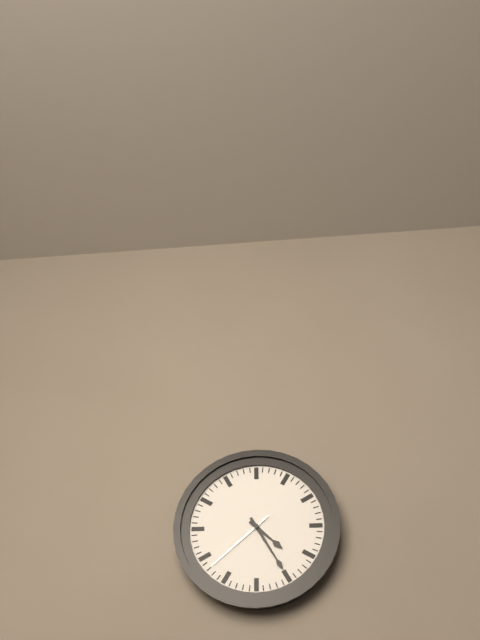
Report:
4,25,38
